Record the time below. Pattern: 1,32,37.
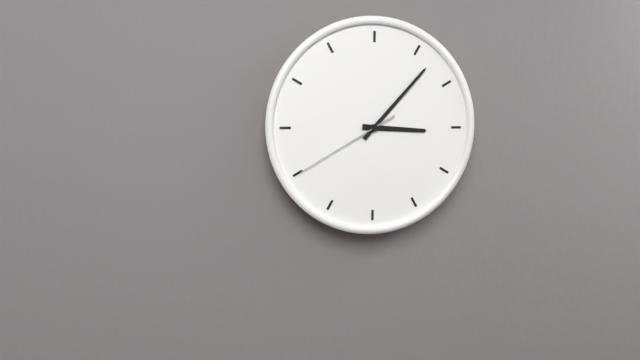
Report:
3,07,40
